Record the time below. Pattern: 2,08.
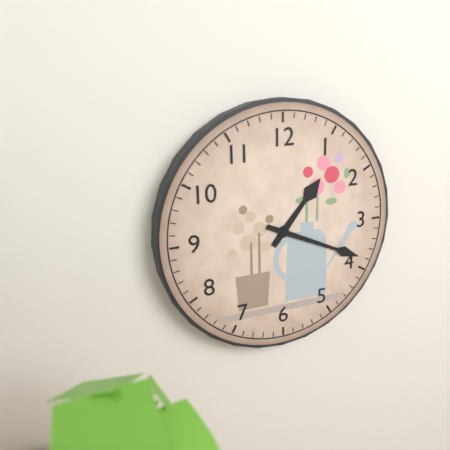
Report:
1,19
